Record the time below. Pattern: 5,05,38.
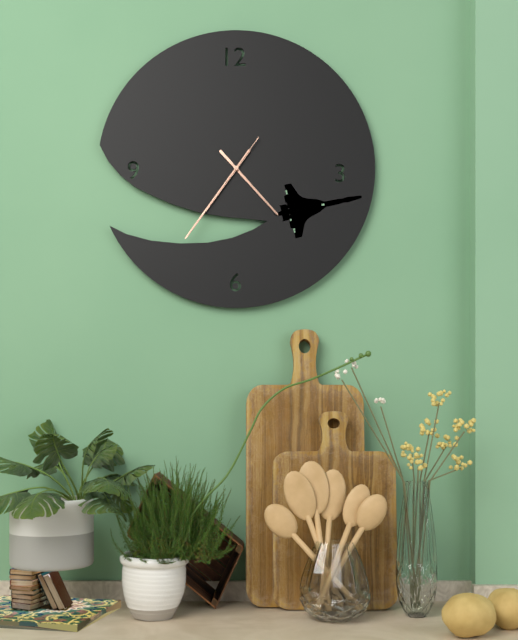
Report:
4,36,36
